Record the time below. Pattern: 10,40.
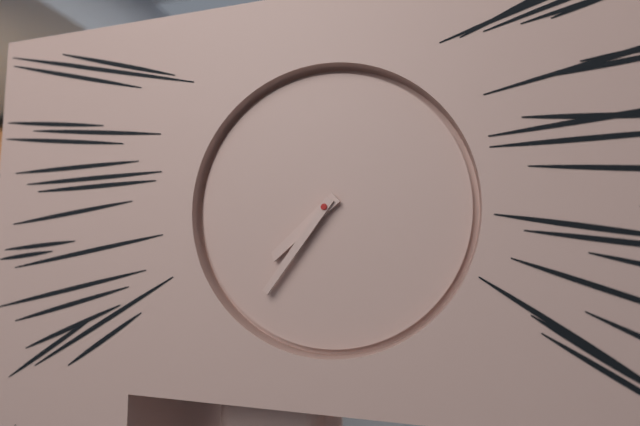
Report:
7,36
